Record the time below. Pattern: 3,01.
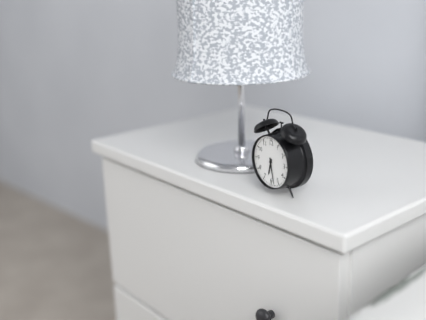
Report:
6,28
